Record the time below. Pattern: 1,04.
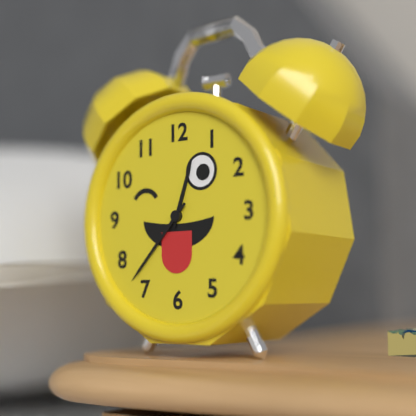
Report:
12,37
